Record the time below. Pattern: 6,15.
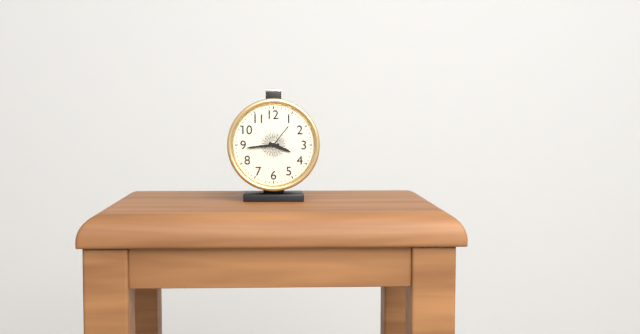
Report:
3,44
